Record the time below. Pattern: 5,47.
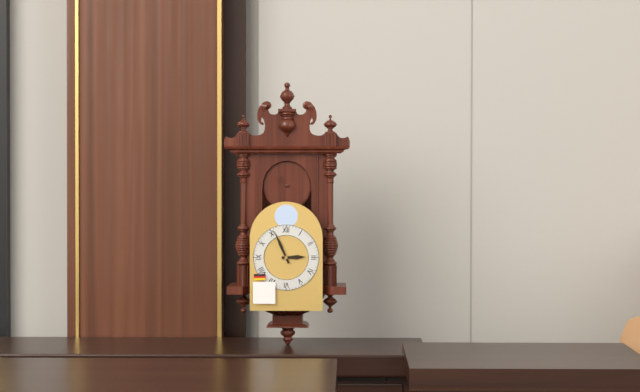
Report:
2,56
